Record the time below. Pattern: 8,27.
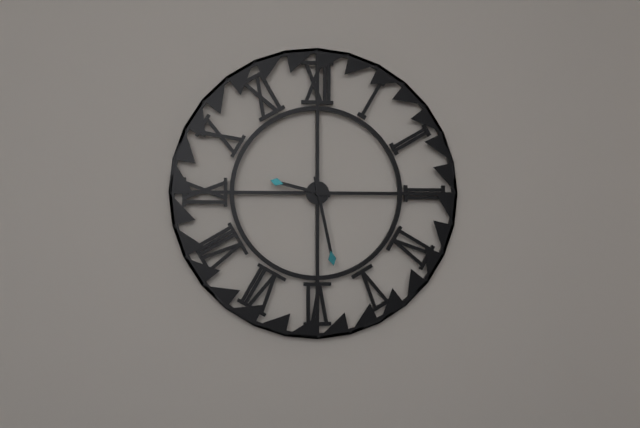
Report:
9,28
